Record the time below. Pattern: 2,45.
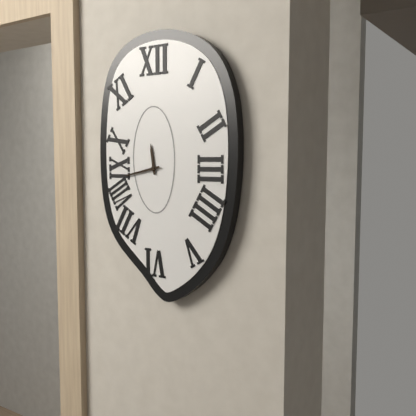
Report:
11,43
